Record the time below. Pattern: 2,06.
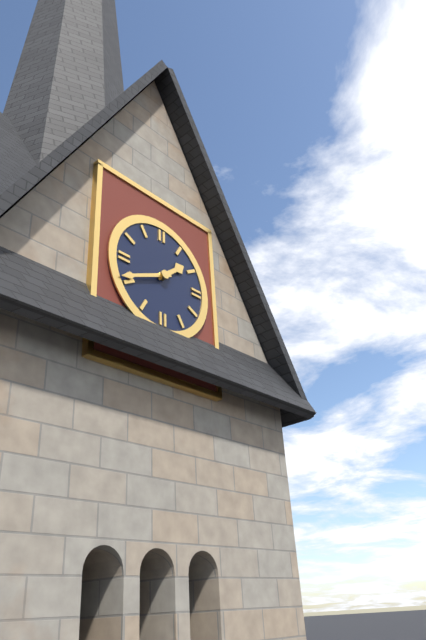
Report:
1,41
